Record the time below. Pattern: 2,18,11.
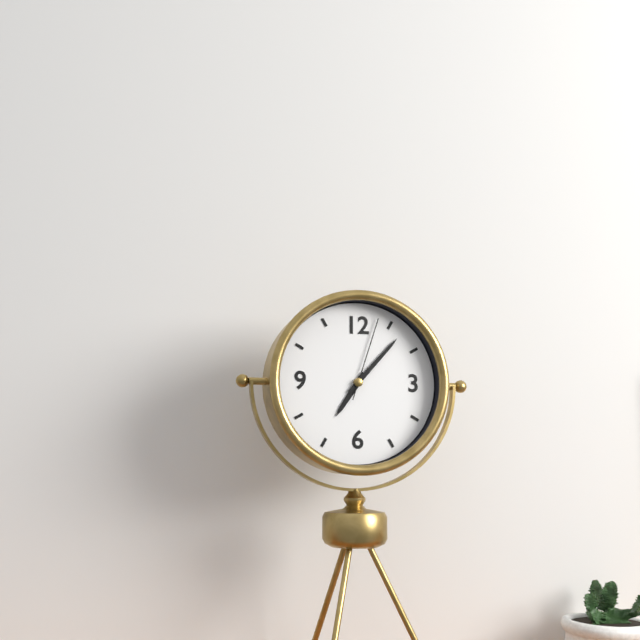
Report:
7,07,03
